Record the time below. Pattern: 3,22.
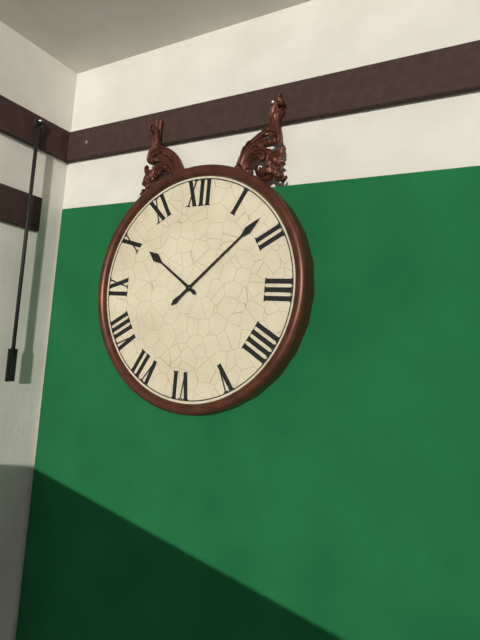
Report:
10,08
